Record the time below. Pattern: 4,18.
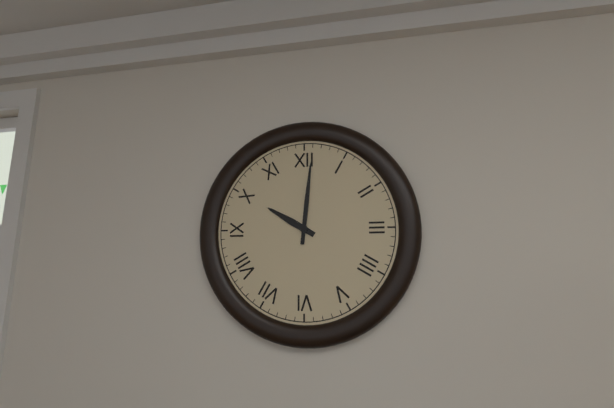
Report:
10,01
